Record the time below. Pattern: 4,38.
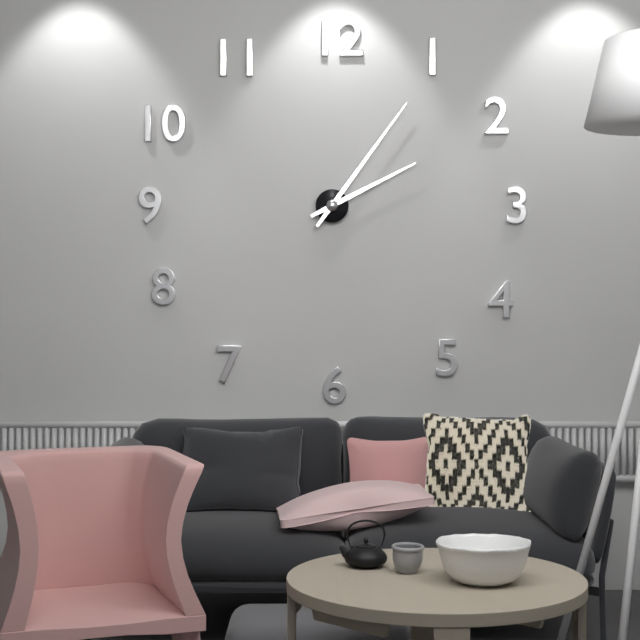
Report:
2,06
